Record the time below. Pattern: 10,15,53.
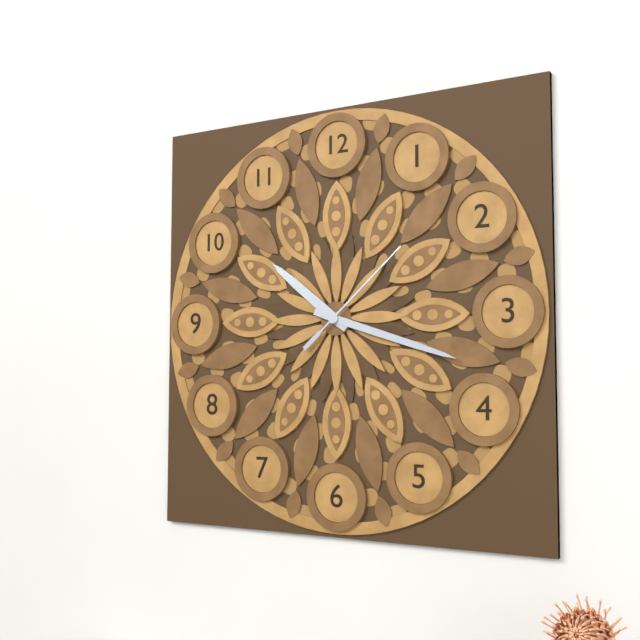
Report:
10,18,08
